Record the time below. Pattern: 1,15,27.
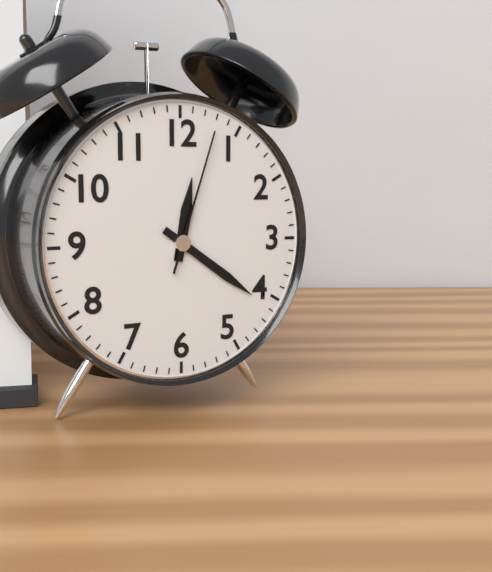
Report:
12,21,03
